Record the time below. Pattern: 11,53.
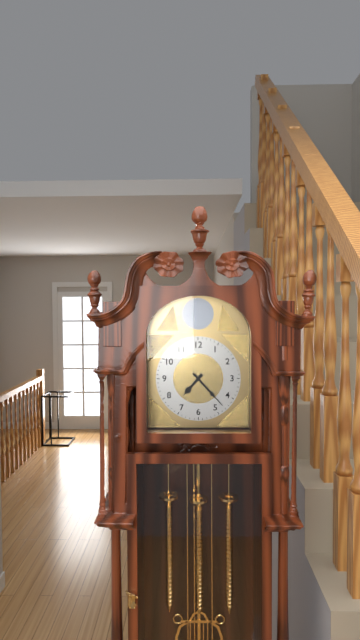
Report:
7,23
